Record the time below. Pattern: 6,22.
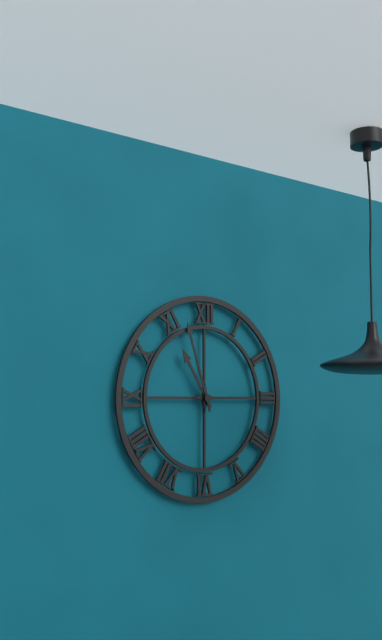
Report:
10,57
